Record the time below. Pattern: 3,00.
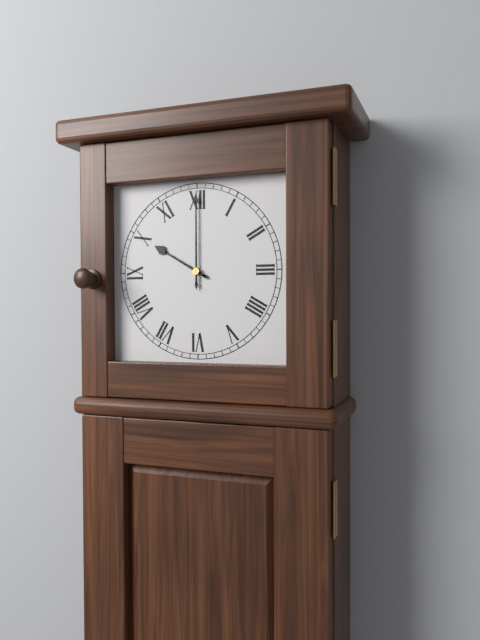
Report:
10,00
